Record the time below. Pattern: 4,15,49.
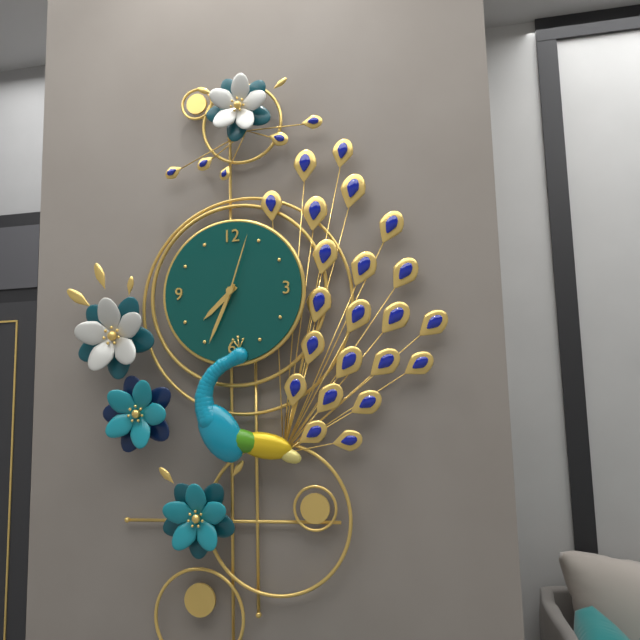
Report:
7,34,03
